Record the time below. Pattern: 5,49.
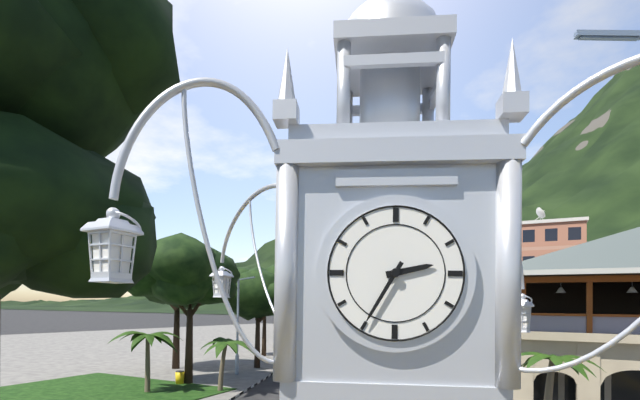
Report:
2,35
